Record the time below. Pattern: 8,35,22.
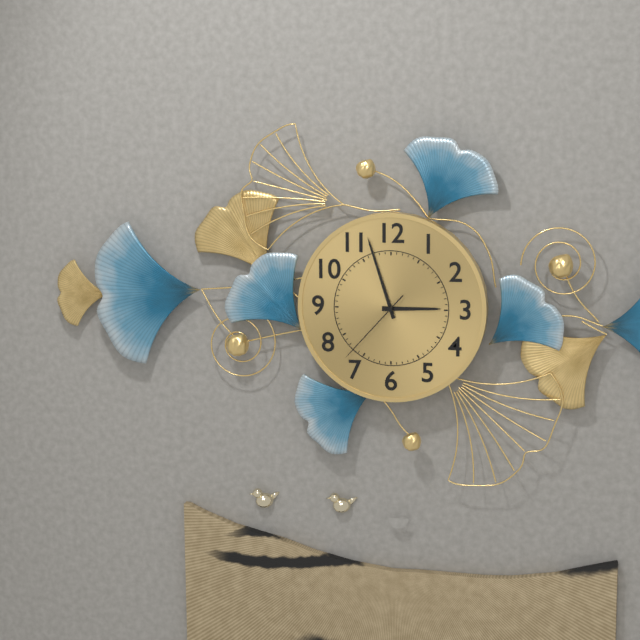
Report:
2,57,37
